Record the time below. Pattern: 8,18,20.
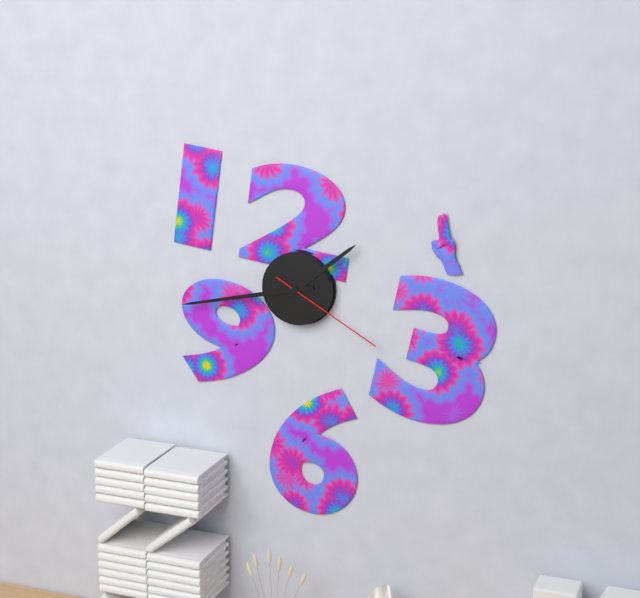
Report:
1,43,20
